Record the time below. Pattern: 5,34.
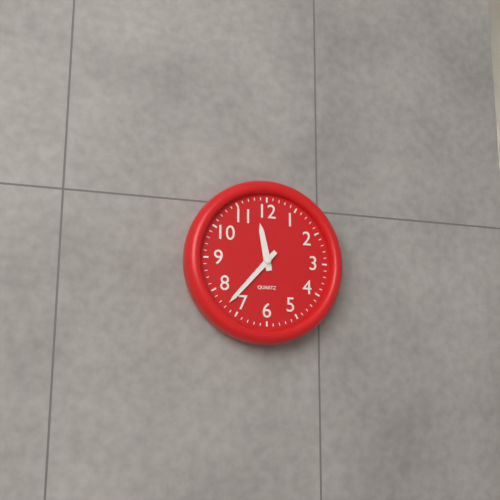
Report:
11,37
